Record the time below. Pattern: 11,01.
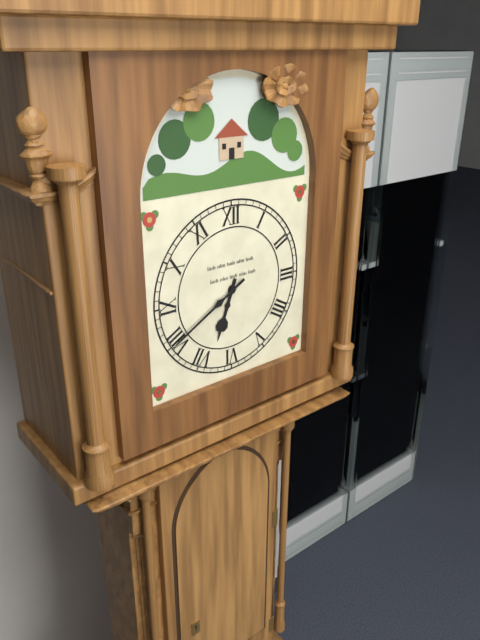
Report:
6,40
